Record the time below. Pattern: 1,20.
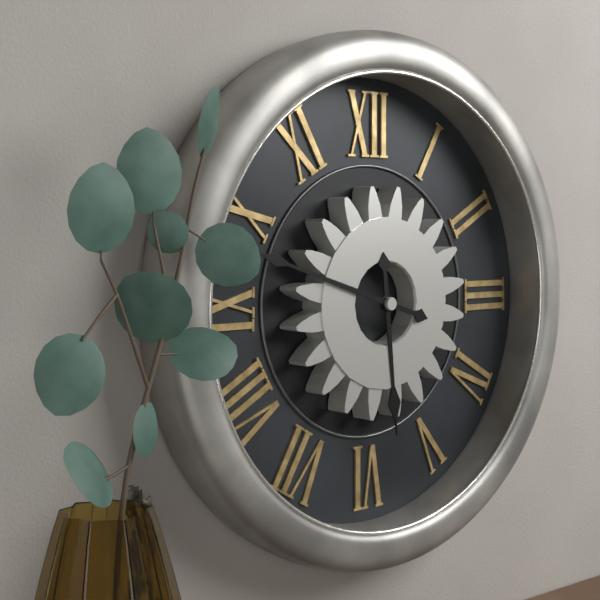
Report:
5,48
